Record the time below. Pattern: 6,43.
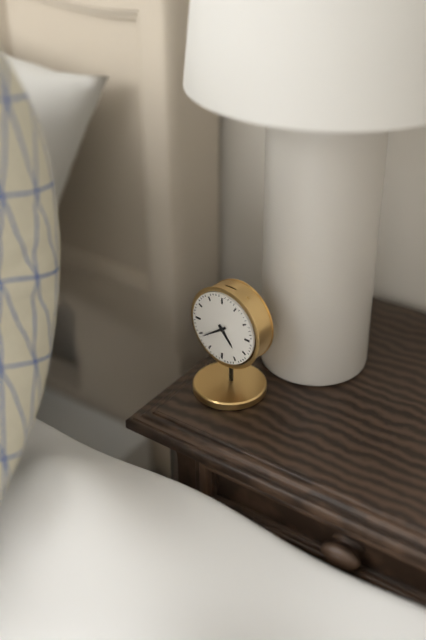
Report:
4,39
